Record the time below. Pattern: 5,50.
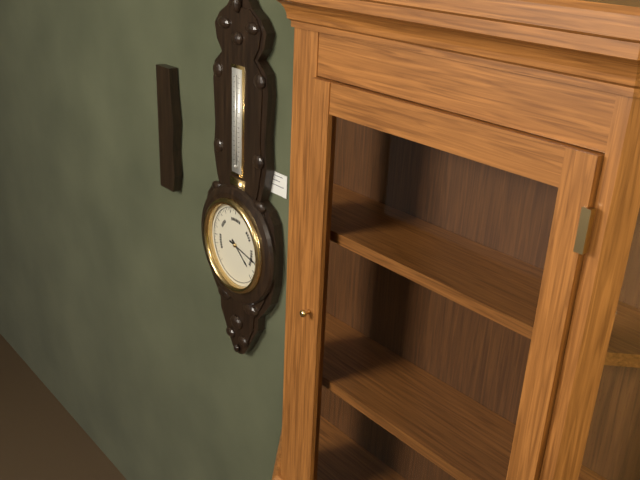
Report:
4,17
